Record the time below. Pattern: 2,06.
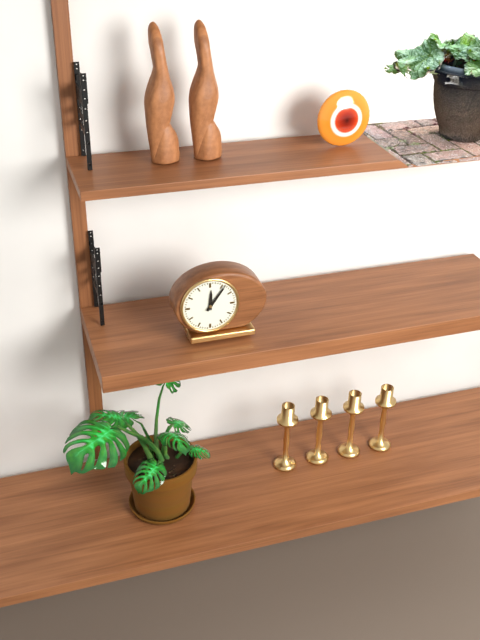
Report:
12,06
